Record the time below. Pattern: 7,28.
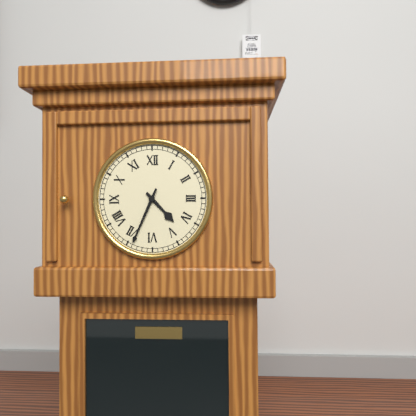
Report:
4,34
